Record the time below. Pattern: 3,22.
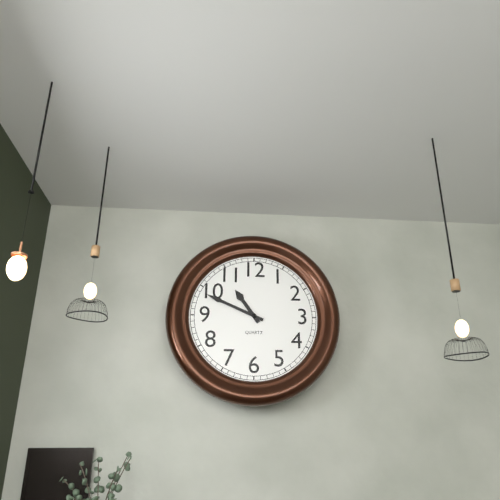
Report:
10,49
